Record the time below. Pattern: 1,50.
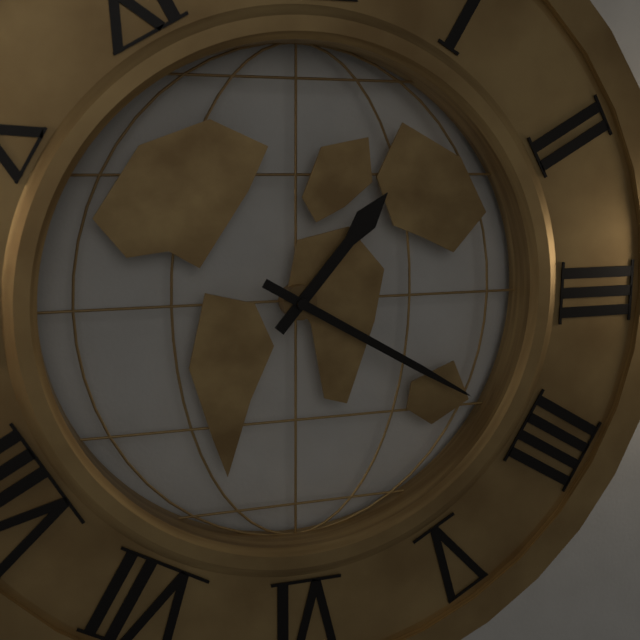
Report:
1,20
